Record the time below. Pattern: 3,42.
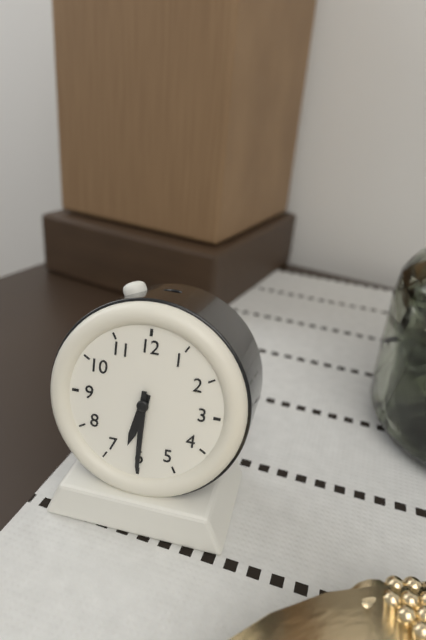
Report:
6,30
